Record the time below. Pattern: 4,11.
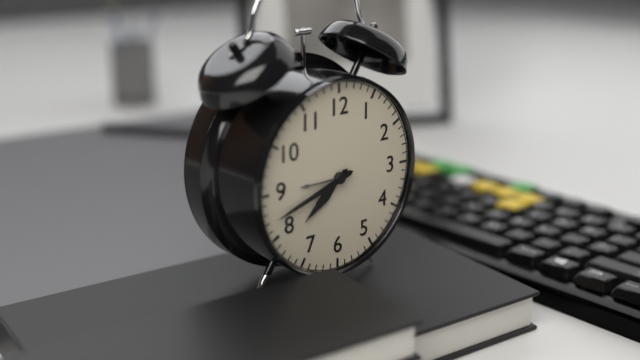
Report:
7,42
